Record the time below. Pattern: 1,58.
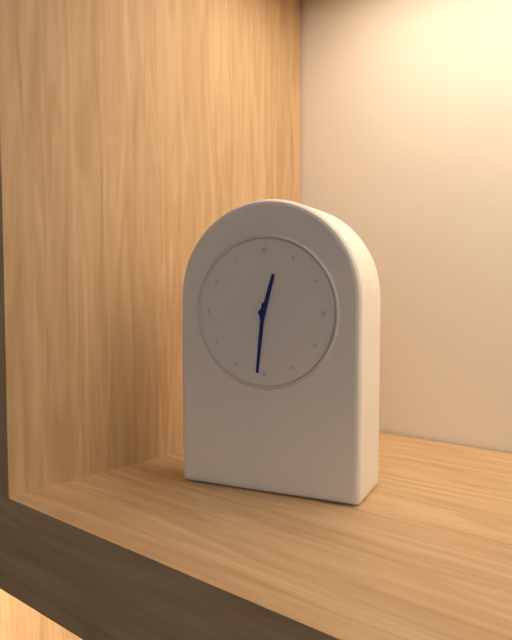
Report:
12,31
